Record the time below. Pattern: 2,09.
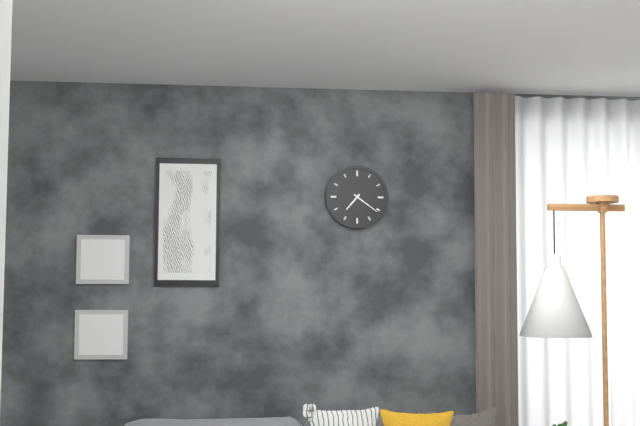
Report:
7,21
